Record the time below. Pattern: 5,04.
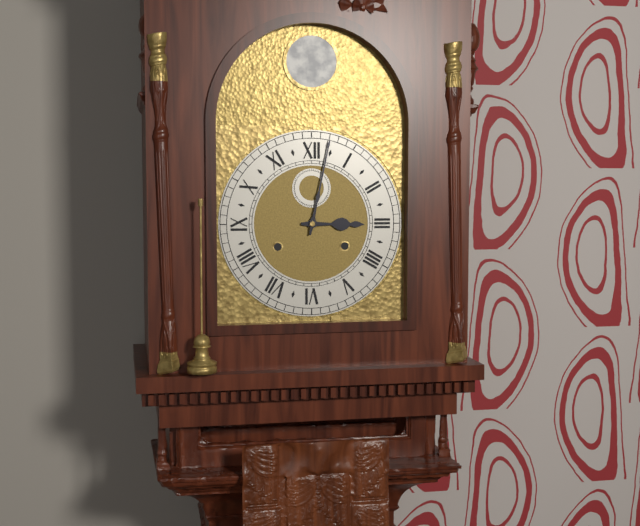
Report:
3,02
